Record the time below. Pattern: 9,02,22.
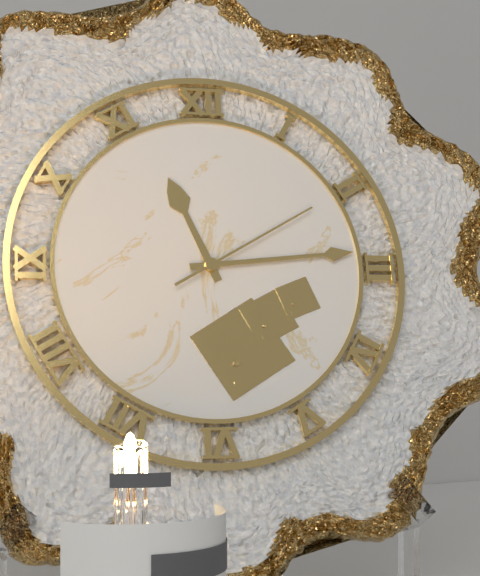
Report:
11,14,10
